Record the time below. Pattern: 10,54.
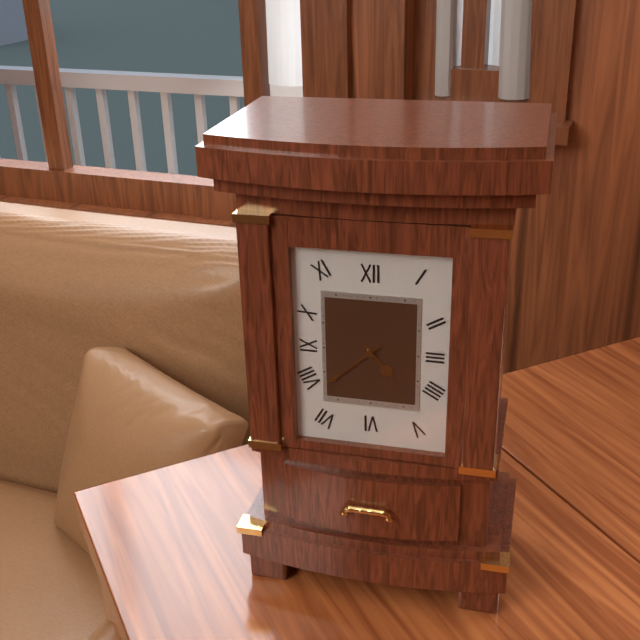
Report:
4,38
